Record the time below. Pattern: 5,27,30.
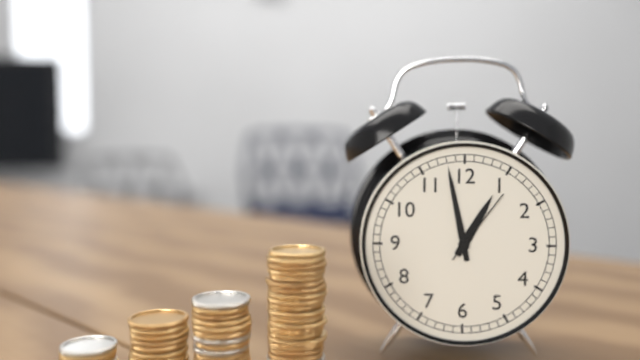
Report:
12,58,06
